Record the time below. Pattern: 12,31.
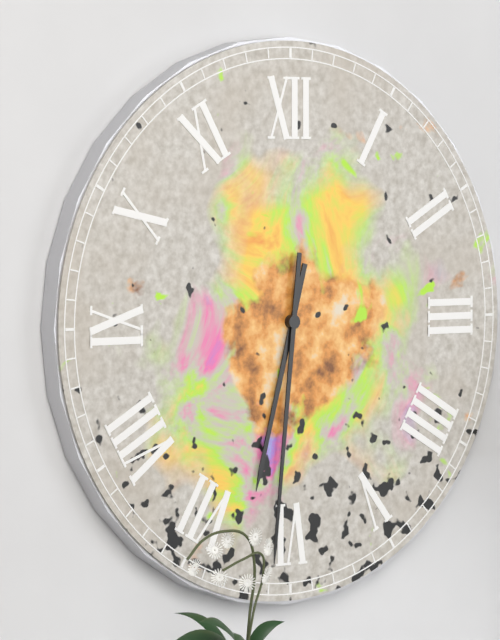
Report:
6,31
